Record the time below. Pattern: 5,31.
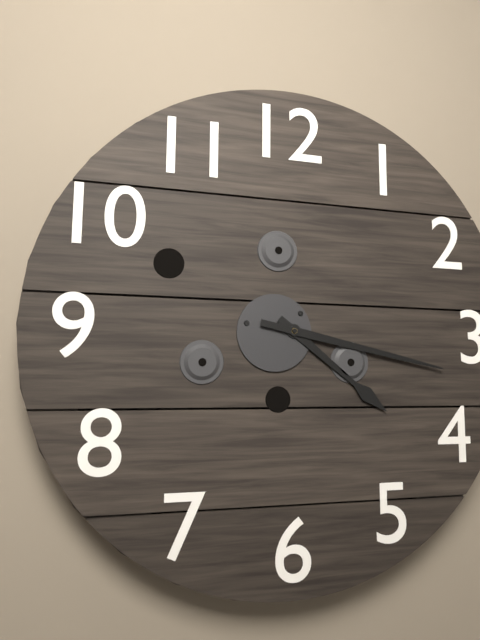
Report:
4,17
